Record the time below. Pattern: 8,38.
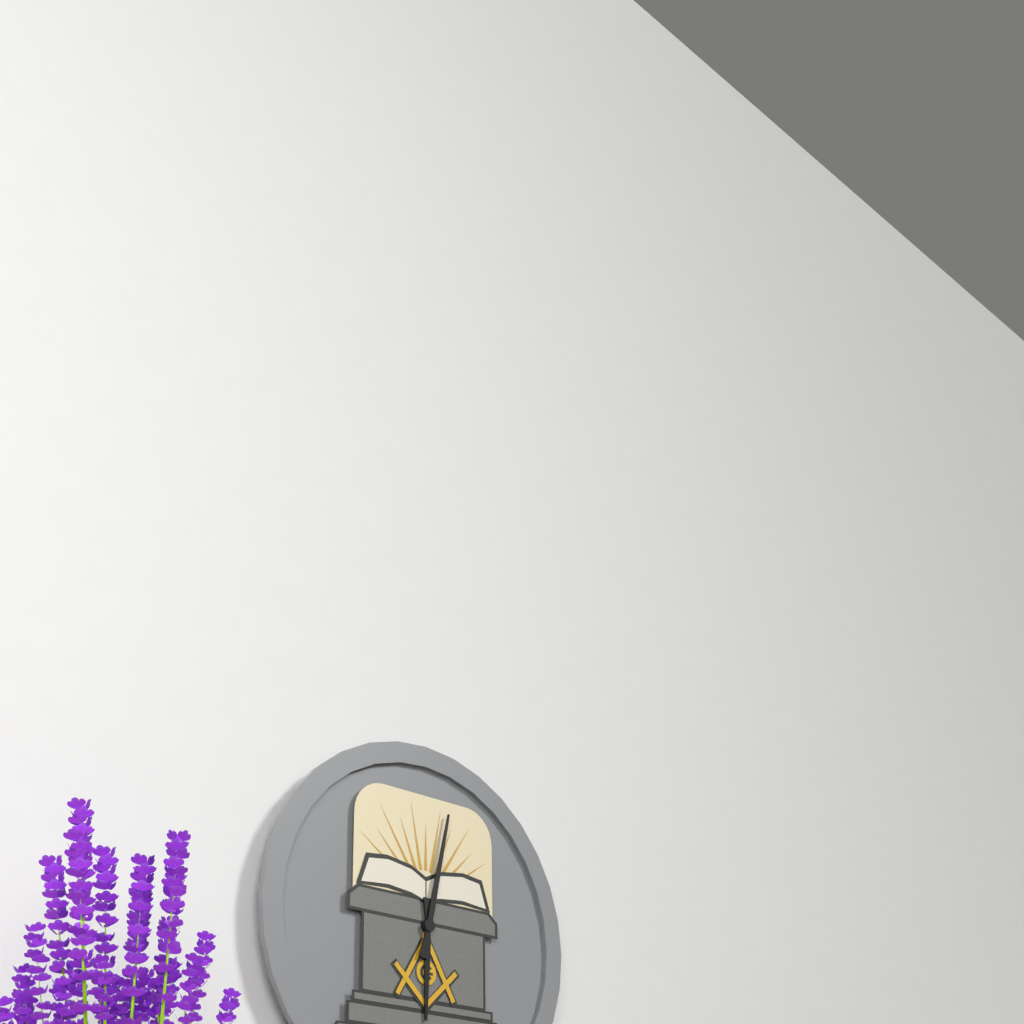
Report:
6,02
